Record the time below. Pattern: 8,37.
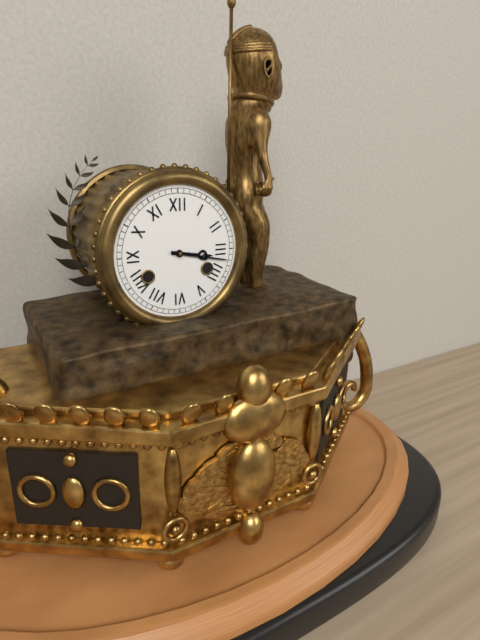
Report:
3,17
